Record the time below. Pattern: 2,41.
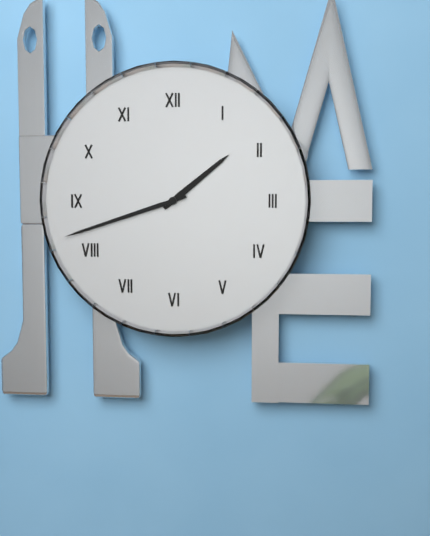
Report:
1,42
